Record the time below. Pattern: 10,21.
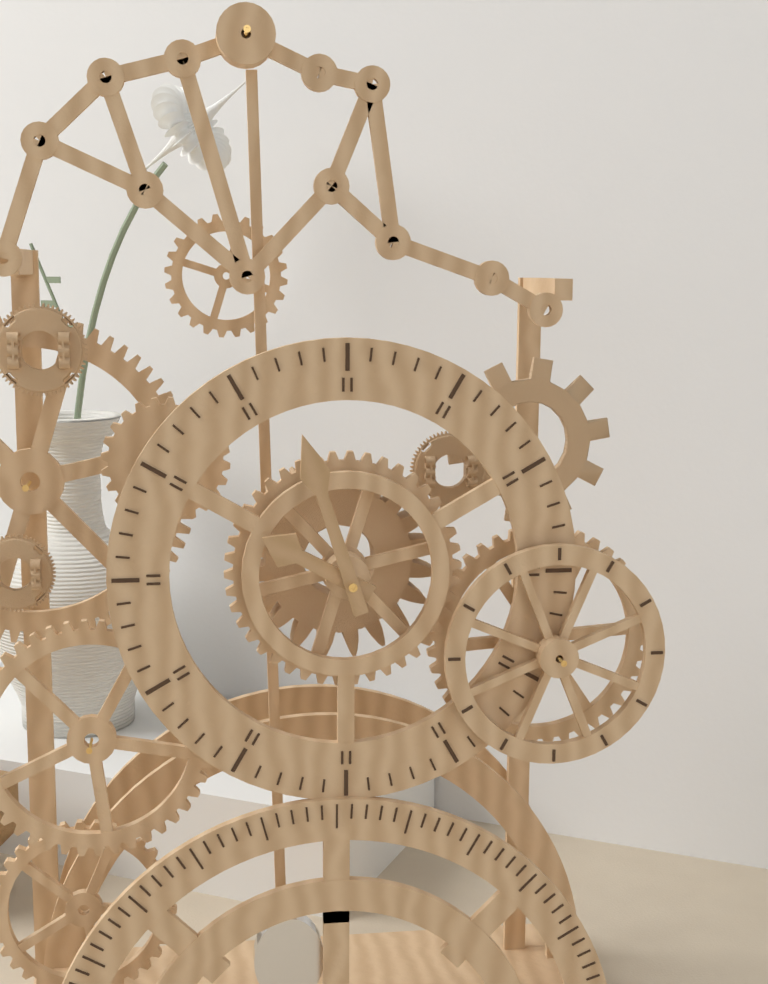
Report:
9,57
